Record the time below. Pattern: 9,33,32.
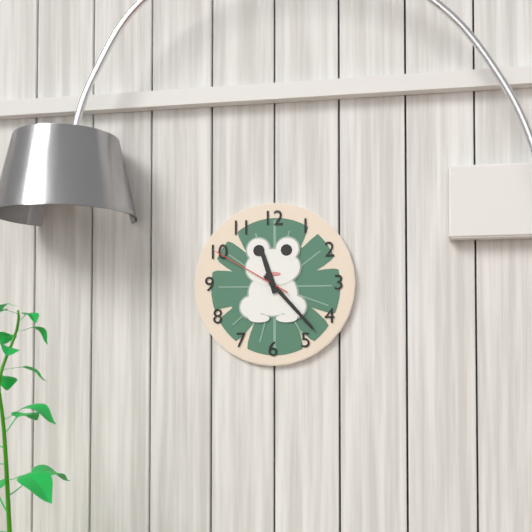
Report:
11,23,50
